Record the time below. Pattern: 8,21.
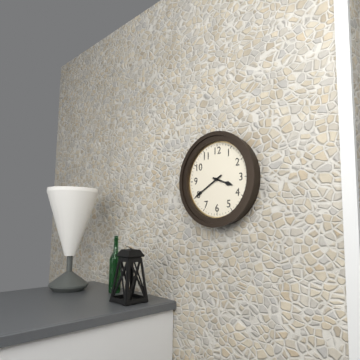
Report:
3,40
